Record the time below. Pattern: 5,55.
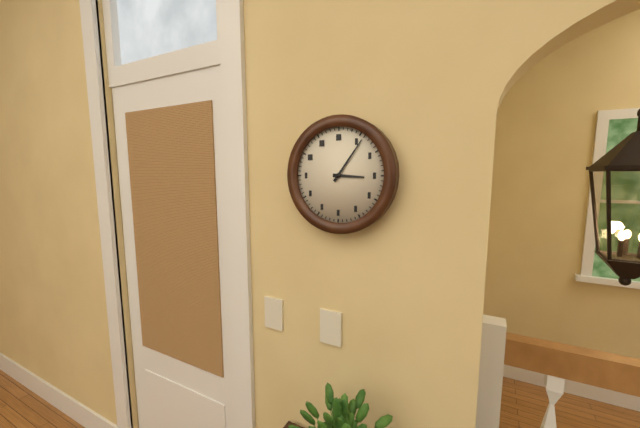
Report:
3,06
